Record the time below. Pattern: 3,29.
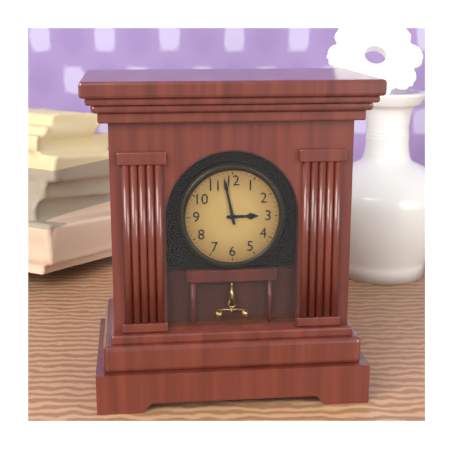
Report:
2,58
